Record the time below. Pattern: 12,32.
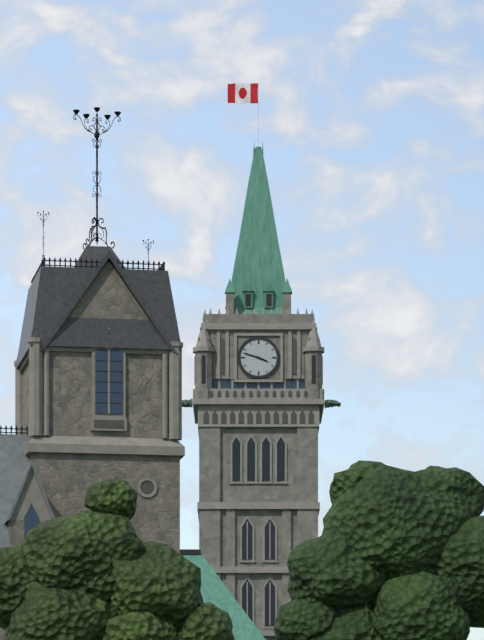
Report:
3,48
